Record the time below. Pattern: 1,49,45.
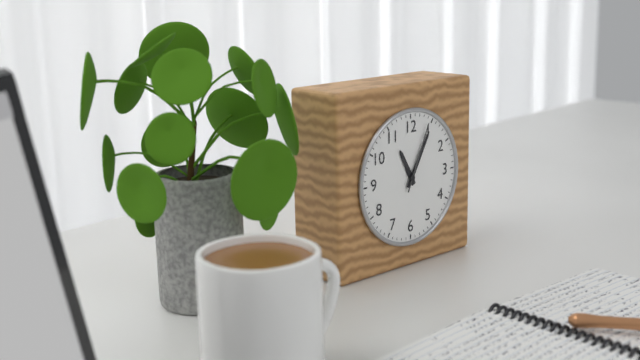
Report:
11,05,04
